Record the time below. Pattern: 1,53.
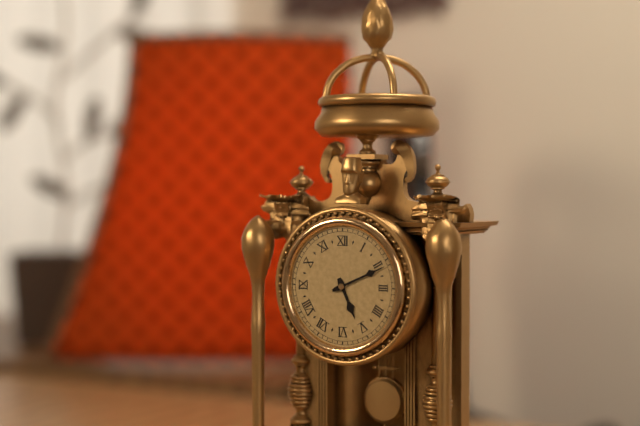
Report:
5,11
